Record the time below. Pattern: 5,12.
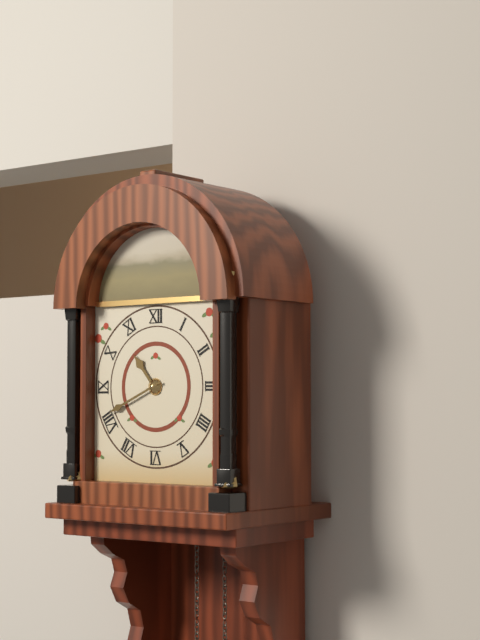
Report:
10,41
